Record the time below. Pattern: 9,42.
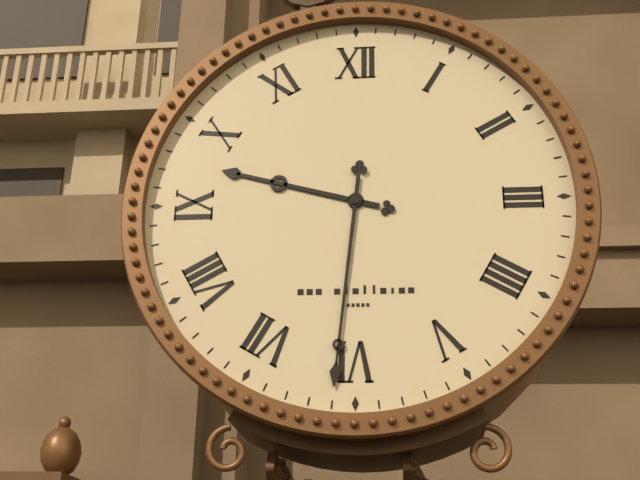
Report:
9,31
